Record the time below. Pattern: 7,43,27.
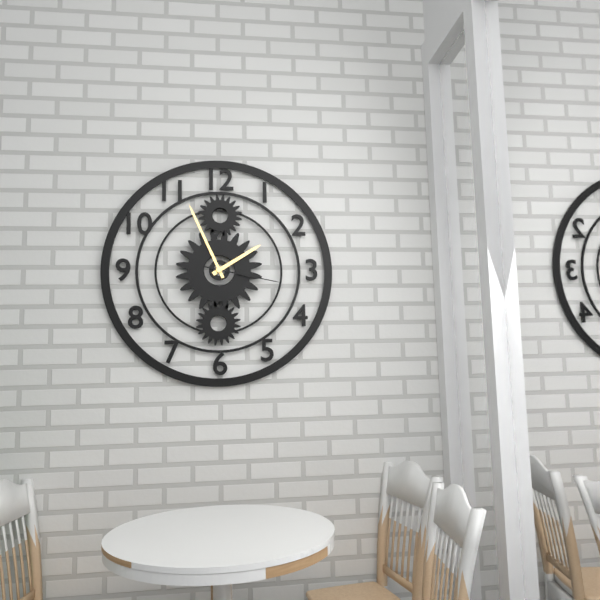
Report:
1,56,17
